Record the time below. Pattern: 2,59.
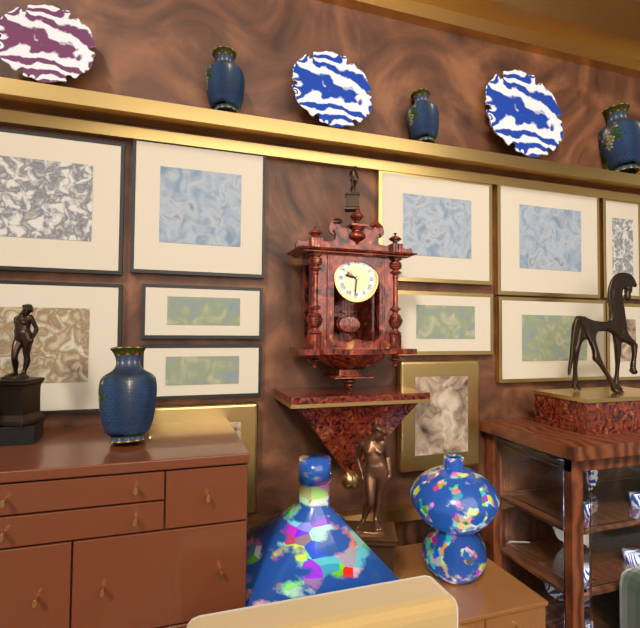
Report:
9,31
